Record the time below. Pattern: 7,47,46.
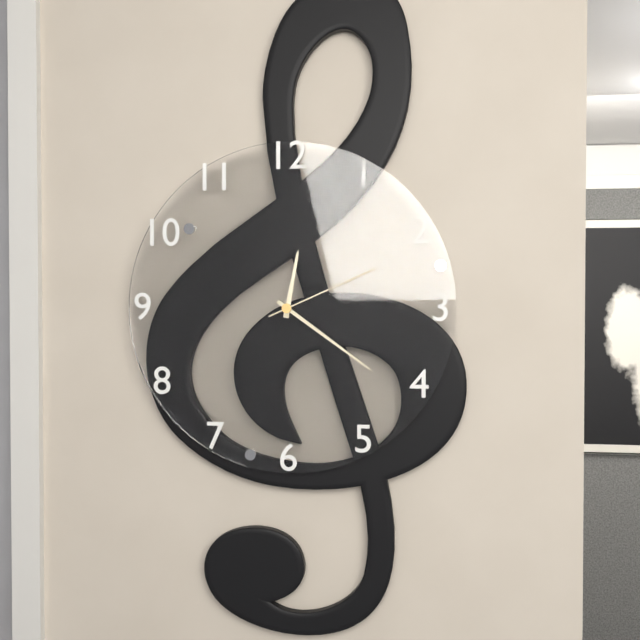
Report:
12,21,11
